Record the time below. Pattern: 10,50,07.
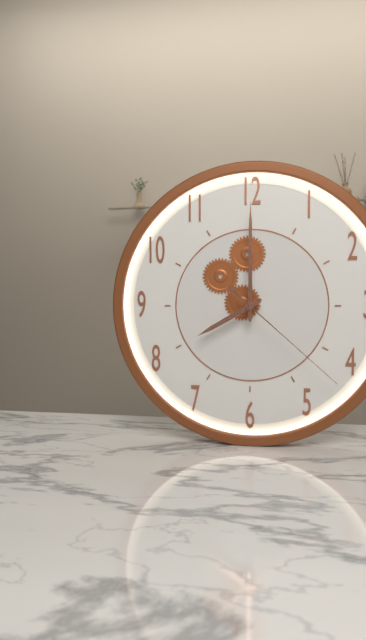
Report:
8,00,22
